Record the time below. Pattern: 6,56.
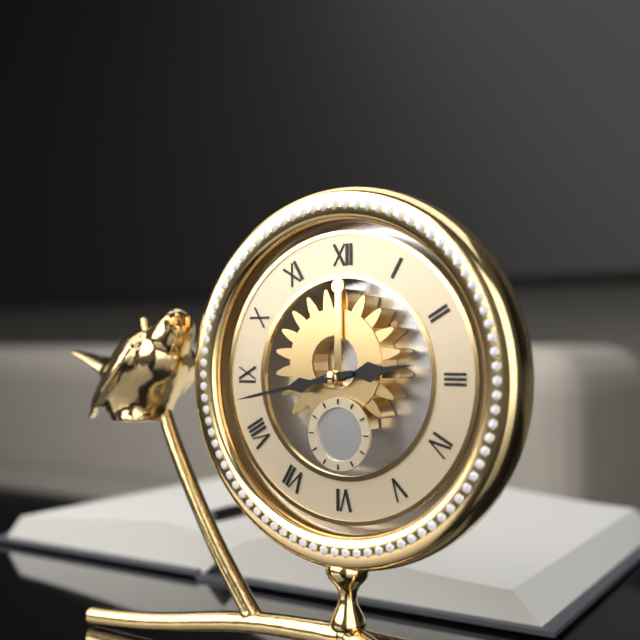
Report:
2,43
